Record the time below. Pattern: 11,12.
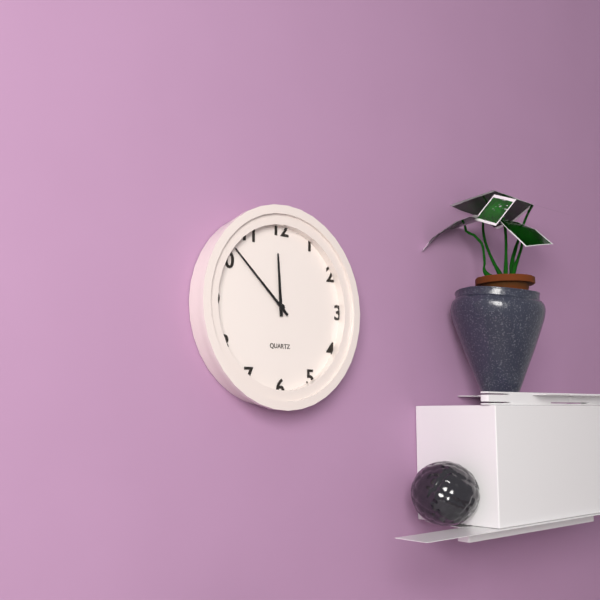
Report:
11,52
